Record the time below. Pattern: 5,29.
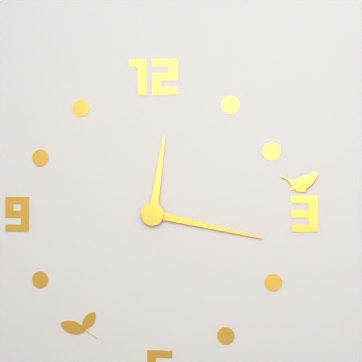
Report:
12,17
